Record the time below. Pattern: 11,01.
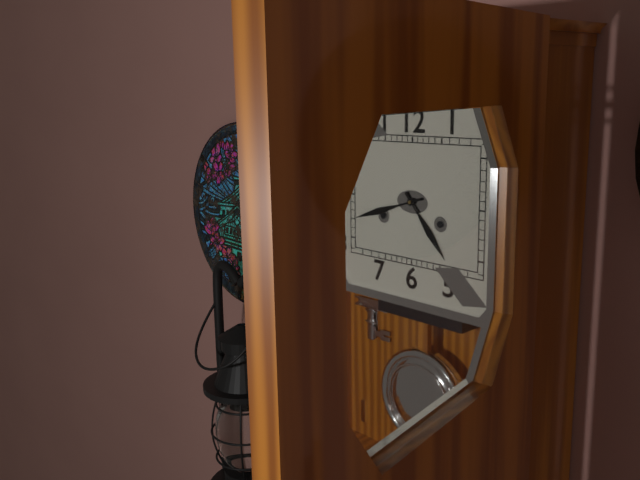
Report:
4,42
